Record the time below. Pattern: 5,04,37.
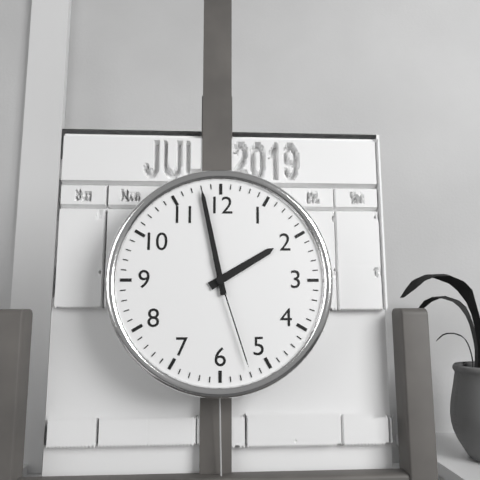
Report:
1,58,27
